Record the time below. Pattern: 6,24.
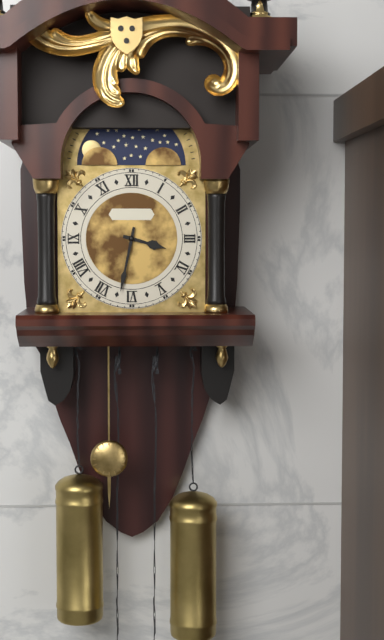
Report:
3,32
